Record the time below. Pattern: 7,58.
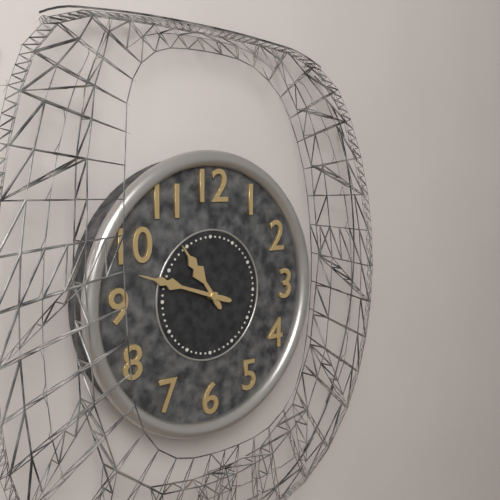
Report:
10,48
